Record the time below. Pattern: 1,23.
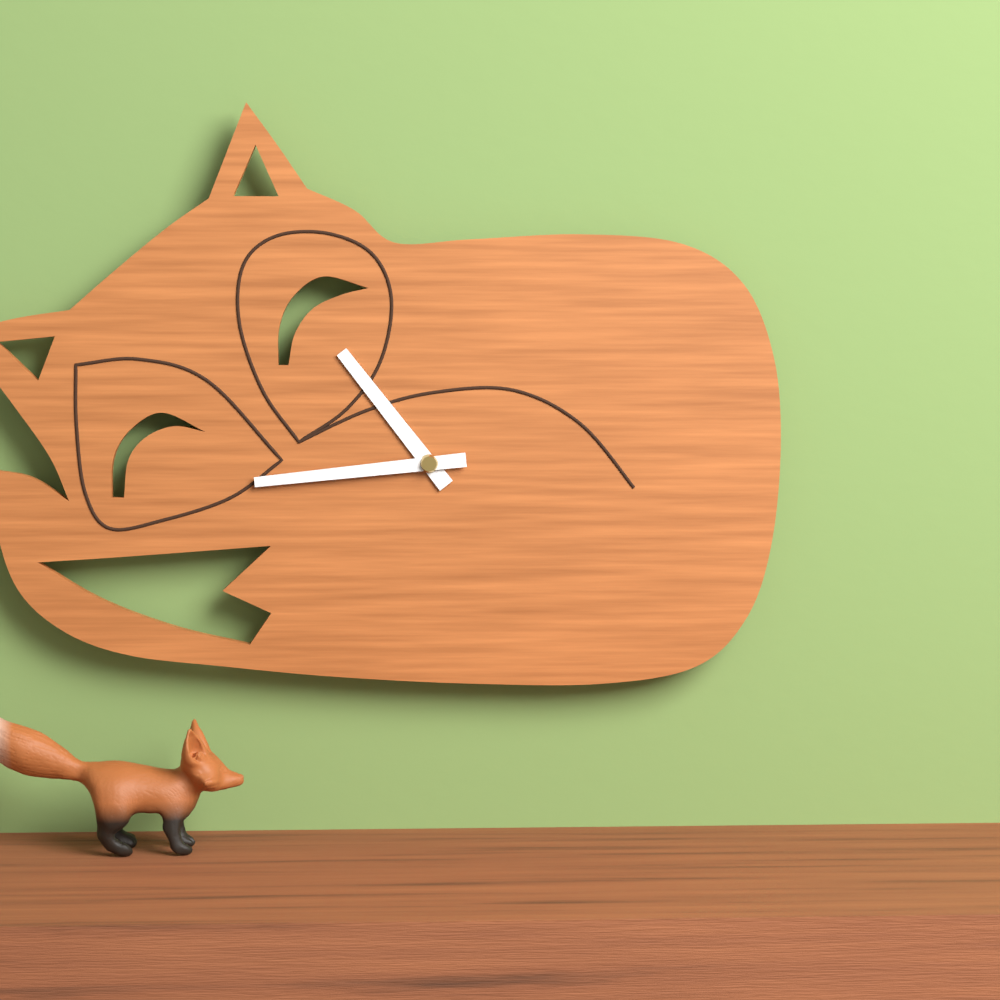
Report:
10,44
